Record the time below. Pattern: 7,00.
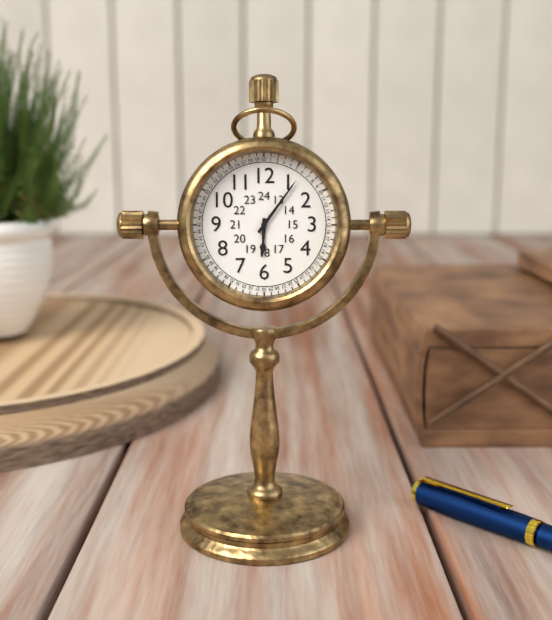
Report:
6,06
